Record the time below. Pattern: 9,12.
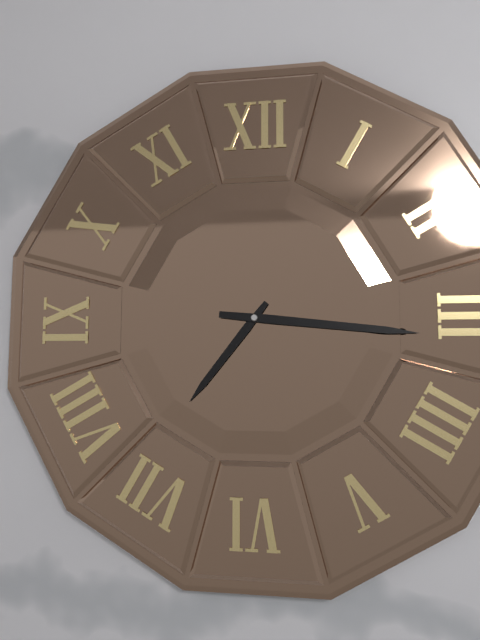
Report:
7,16
